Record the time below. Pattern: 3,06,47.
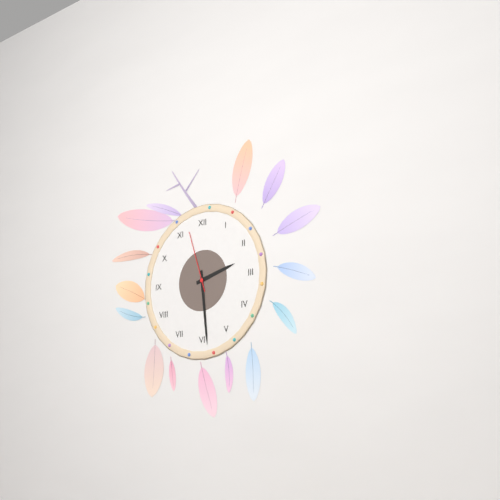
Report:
2,29,57
